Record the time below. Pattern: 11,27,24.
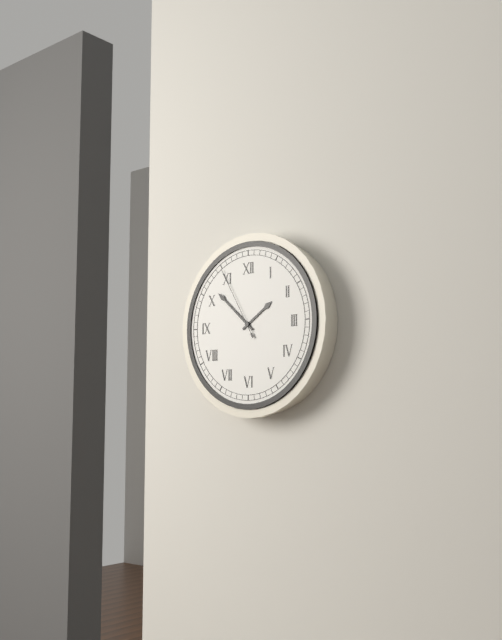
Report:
1,52,55
